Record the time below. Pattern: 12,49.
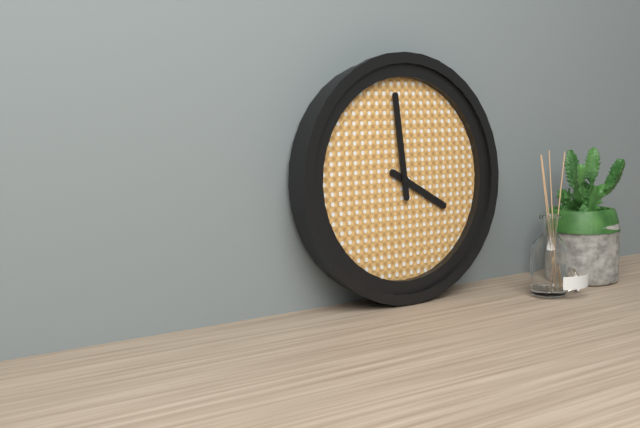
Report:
3,59
